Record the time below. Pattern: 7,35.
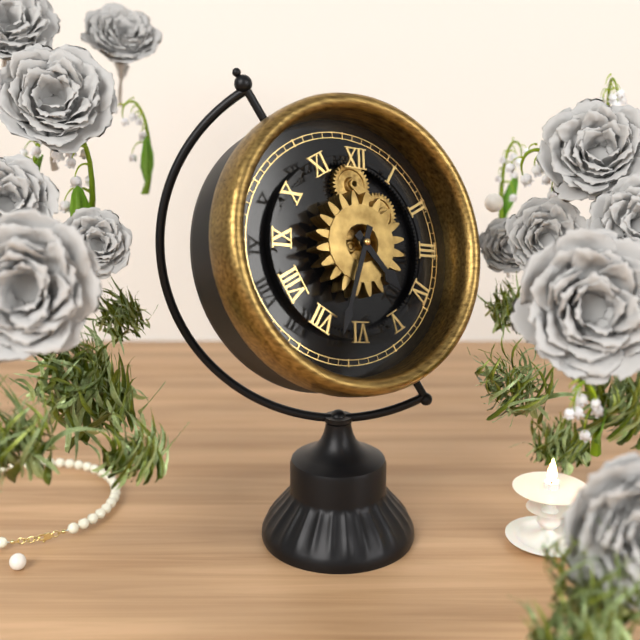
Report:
4,33
